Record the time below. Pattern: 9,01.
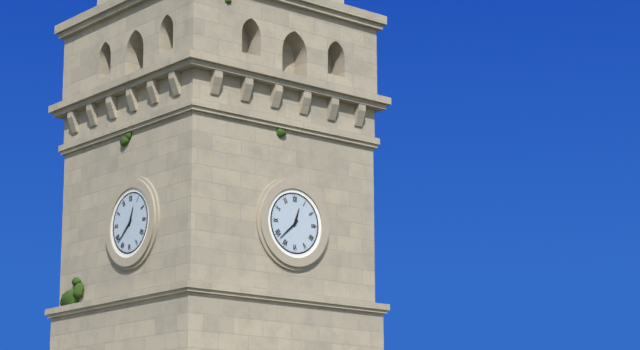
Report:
12,38
